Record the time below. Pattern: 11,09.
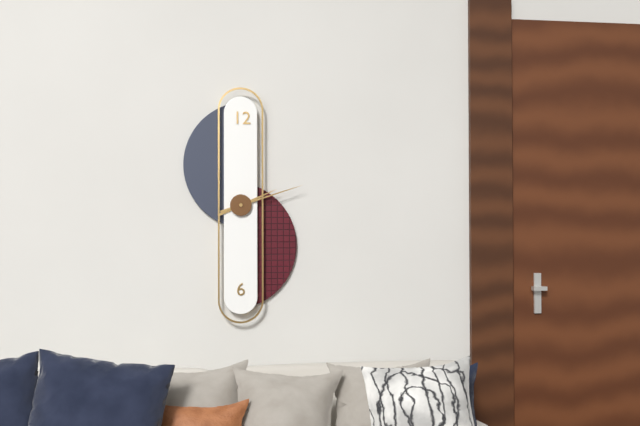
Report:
2,12
